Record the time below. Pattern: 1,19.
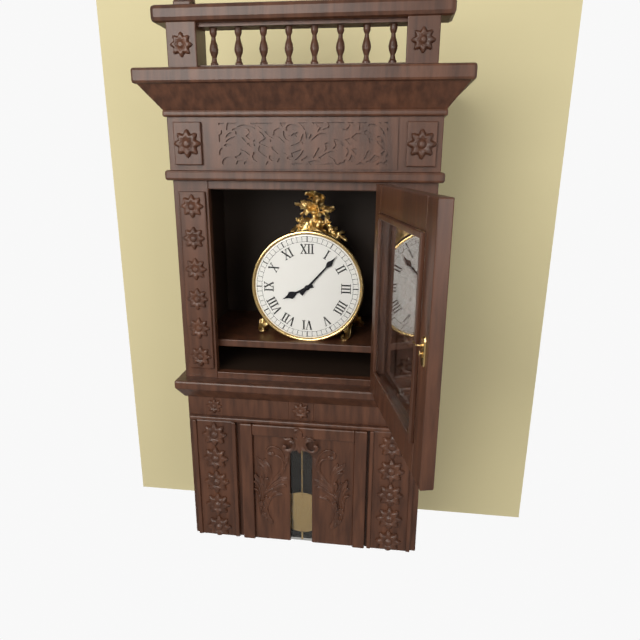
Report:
8,07
